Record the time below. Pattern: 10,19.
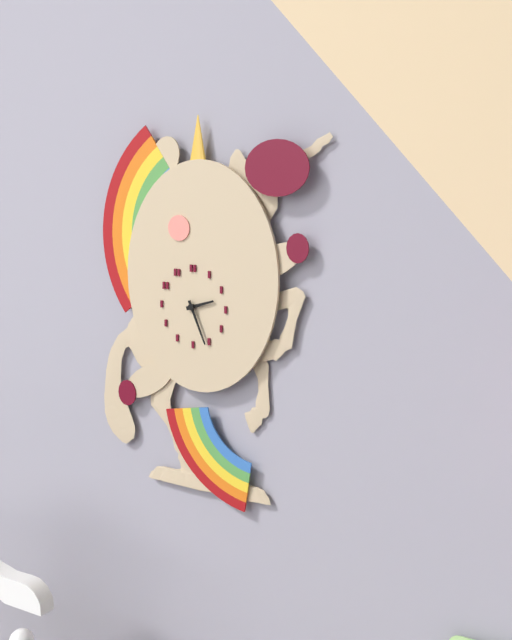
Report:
2,26
